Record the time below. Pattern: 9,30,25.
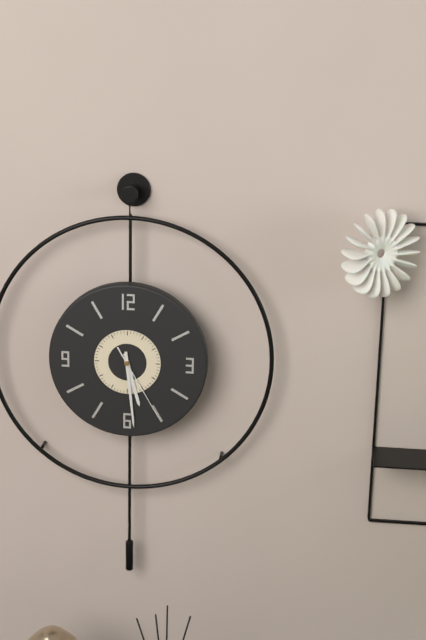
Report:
5,29,25
